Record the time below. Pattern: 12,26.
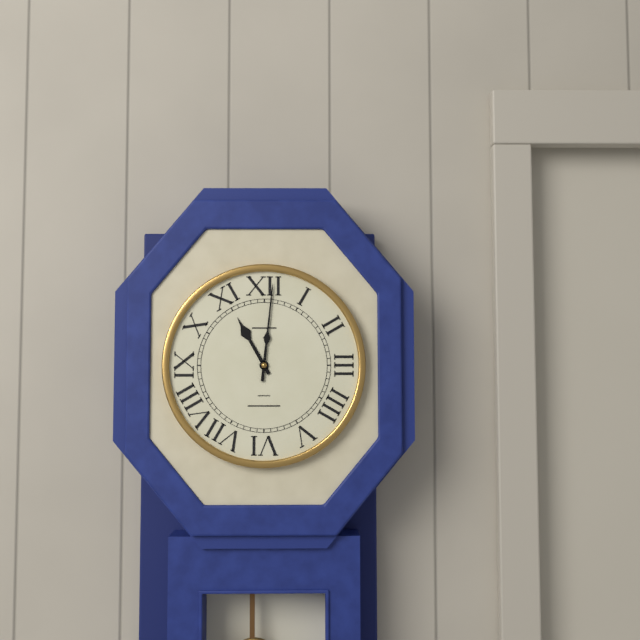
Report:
11,01
